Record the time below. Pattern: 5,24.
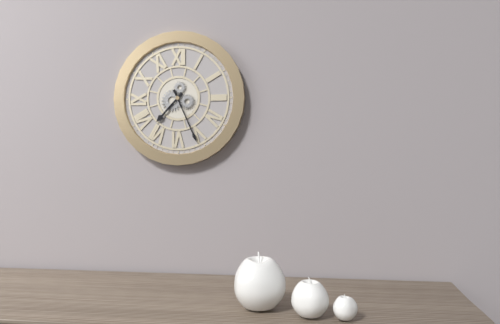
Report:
7,26
